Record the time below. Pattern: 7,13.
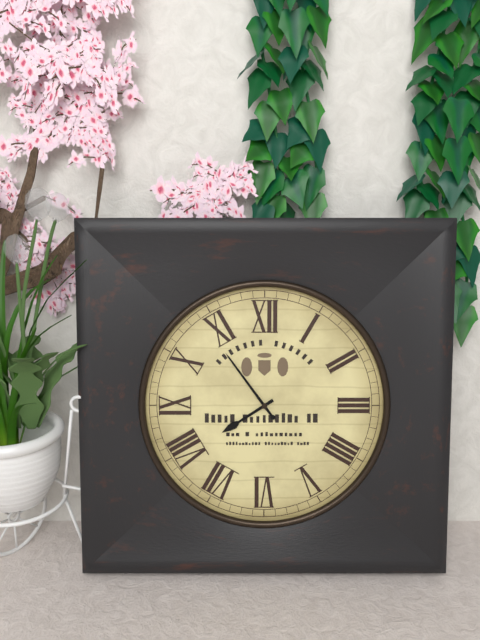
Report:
7,54
